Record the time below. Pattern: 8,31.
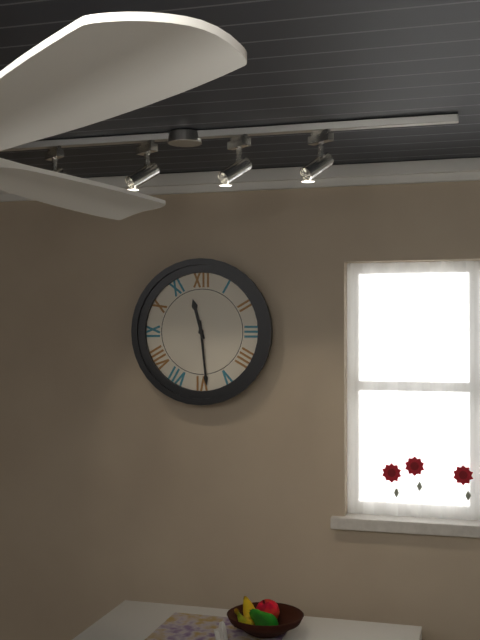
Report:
11,29
